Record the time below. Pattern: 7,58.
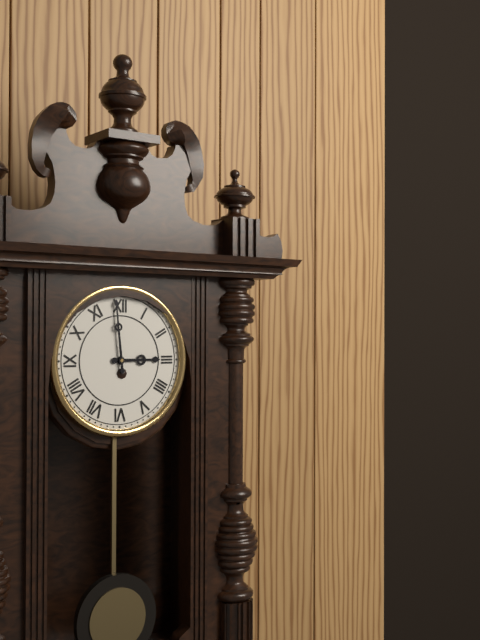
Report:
2,59
